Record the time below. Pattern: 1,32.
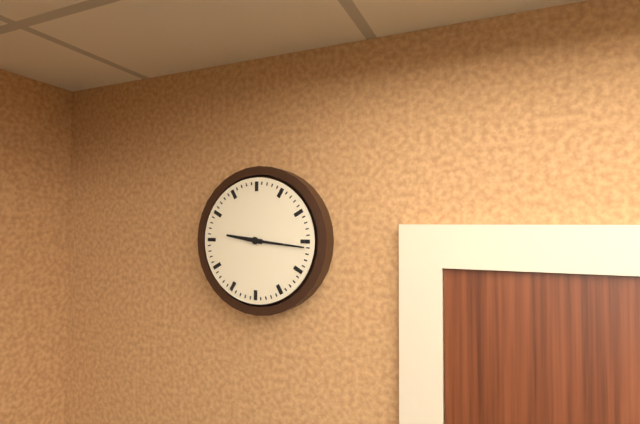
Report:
9,16
